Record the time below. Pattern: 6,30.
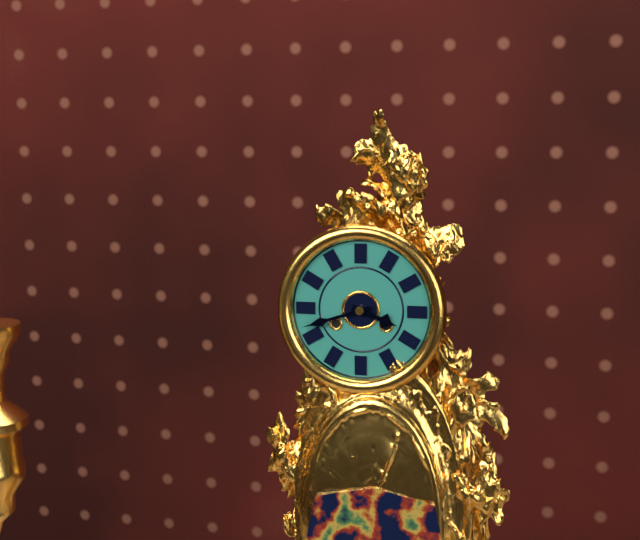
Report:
3,42
